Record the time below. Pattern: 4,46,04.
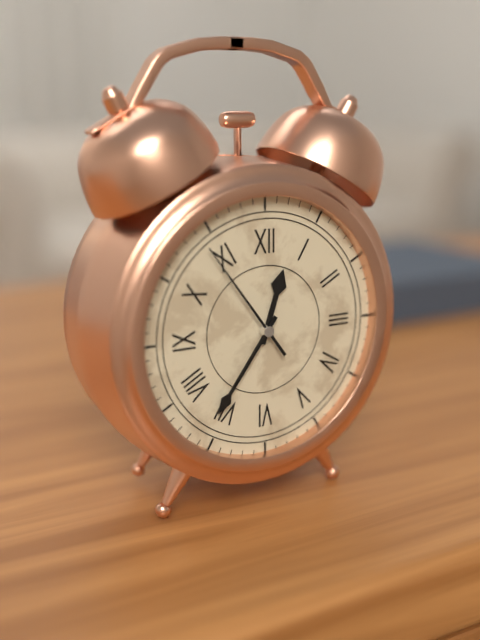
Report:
12,36,54
